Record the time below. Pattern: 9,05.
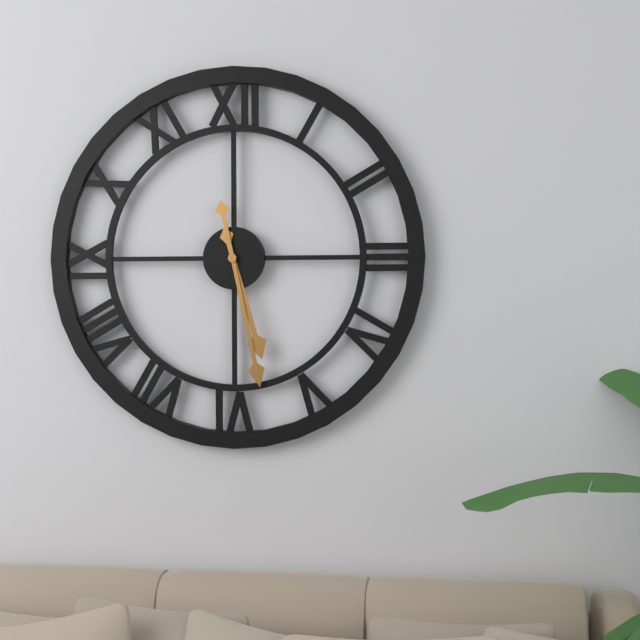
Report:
5,28
